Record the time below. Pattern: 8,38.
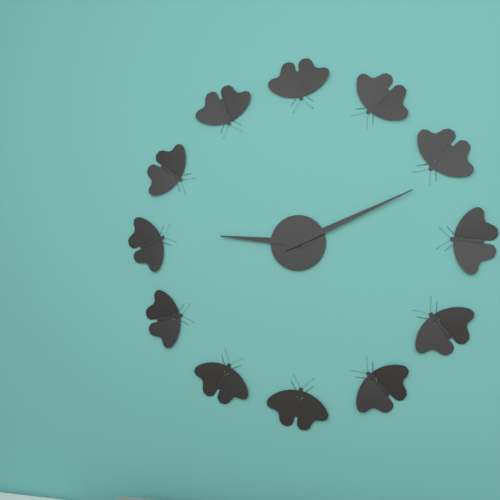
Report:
9,11
